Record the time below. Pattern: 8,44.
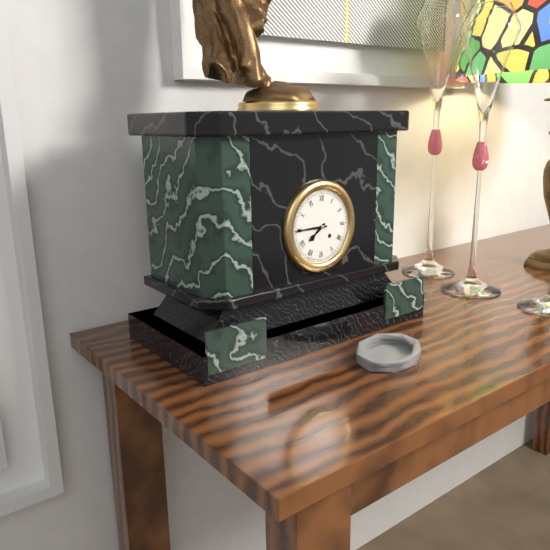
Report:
7,45
